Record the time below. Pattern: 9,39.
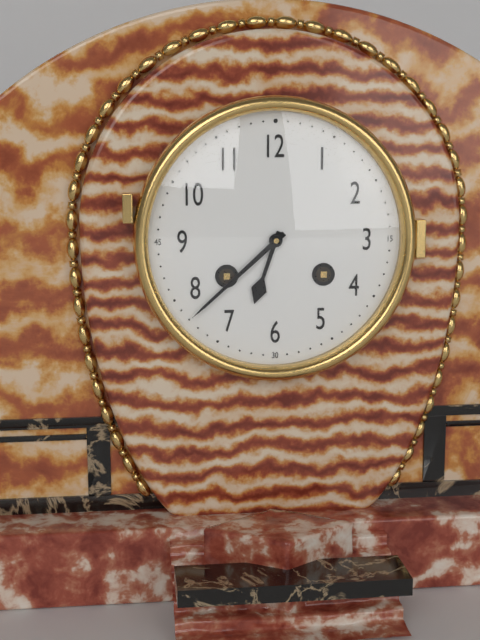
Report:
6,38
